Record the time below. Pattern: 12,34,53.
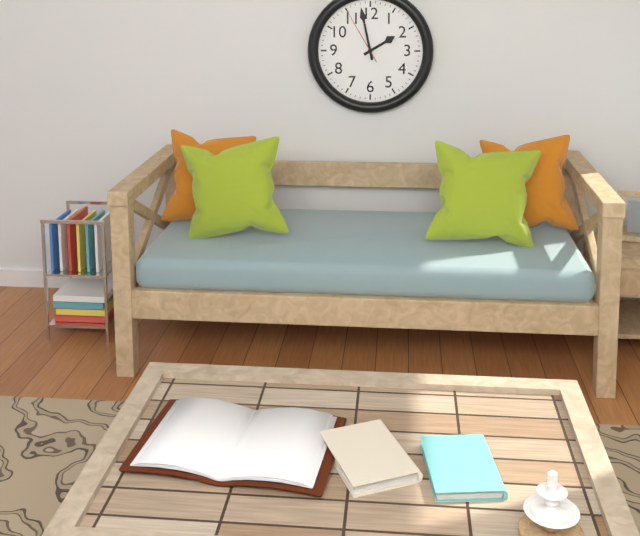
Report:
1,58,55
